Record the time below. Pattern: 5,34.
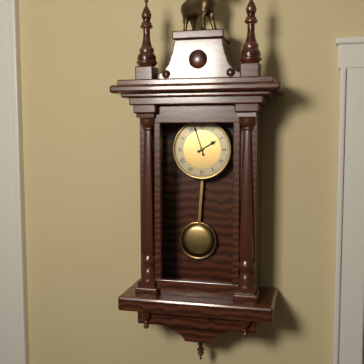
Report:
1,57
